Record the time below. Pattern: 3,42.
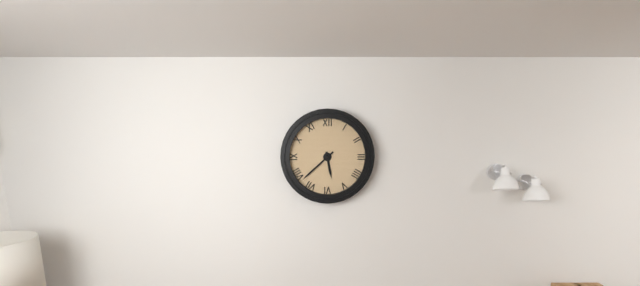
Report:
5,38
